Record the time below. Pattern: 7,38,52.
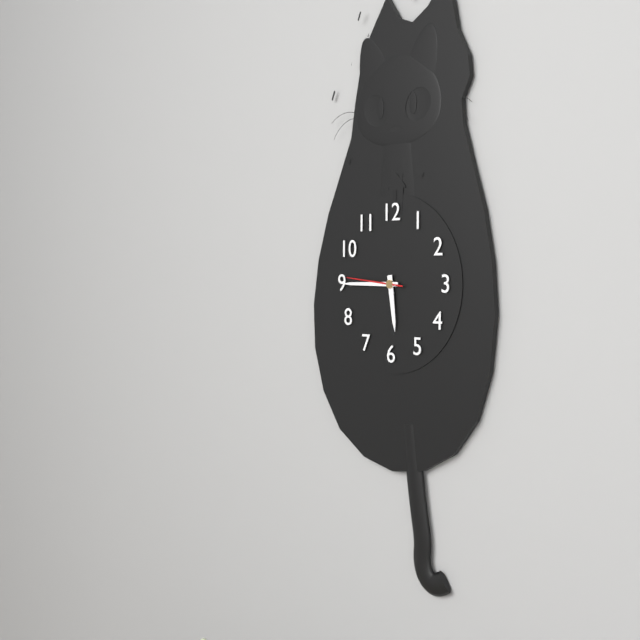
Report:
5,45,46
